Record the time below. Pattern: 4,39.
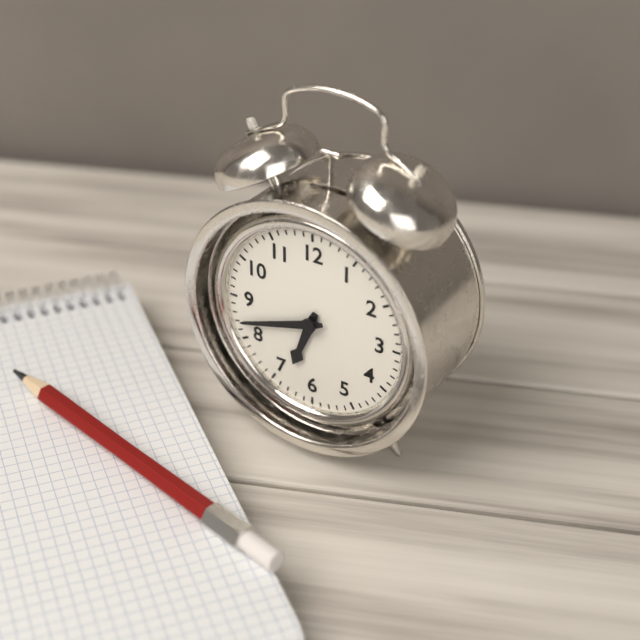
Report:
6,42
